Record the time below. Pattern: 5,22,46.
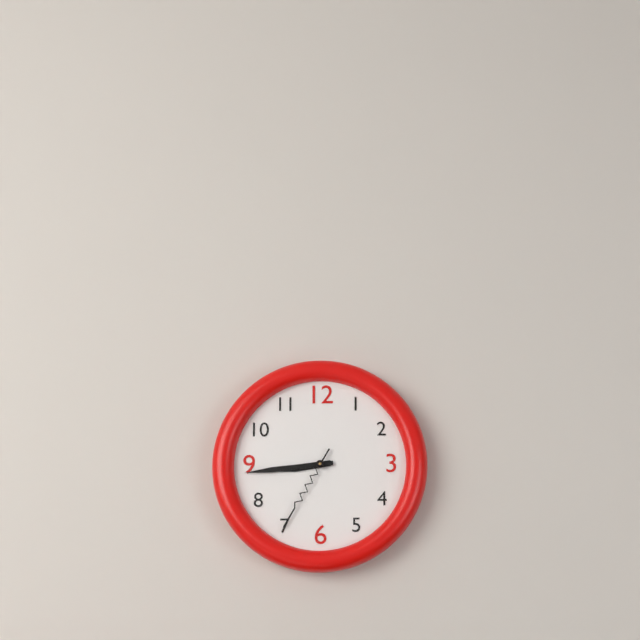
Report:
8,44,35
